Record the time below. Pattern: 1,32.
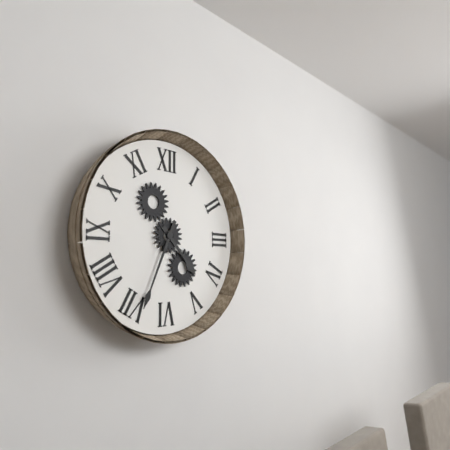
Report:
4,34
